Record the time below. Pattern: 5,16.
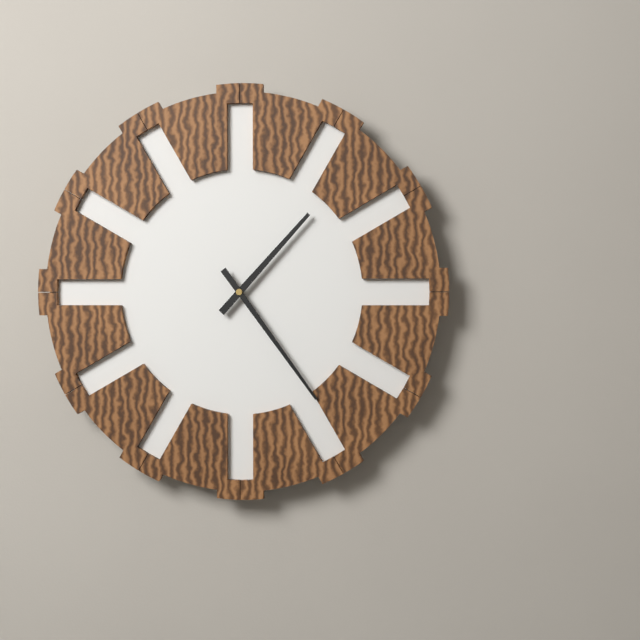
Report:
1,24
